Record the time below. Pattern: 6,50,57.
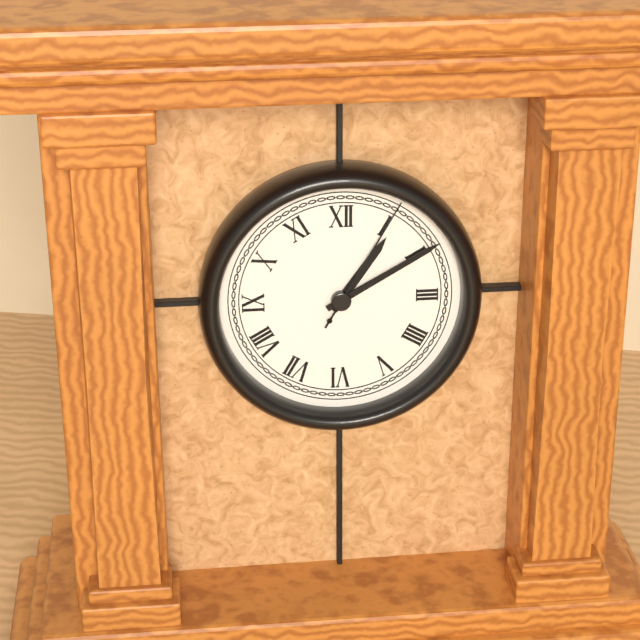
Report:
1,10,05
